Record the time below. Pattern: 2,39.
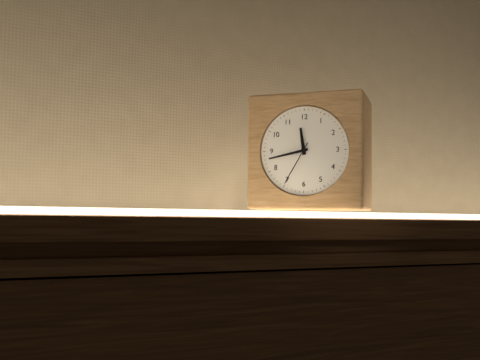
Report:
11,43
